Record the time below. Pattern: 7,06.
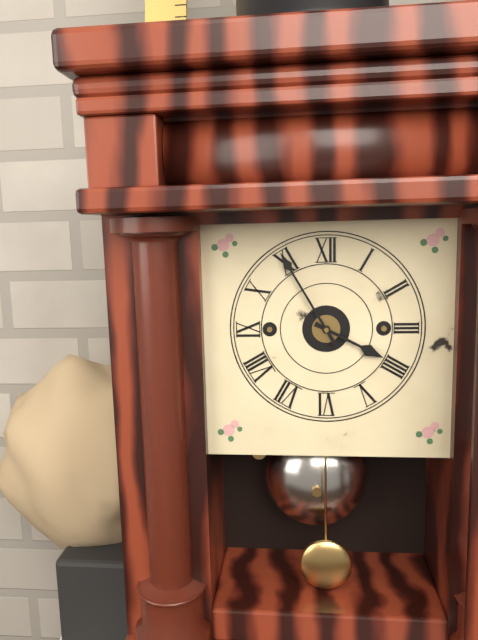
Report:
3,55
